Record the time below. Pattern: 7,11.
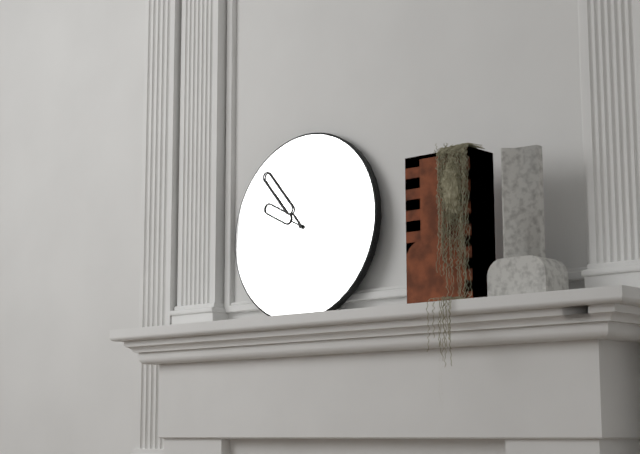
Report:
9,53
